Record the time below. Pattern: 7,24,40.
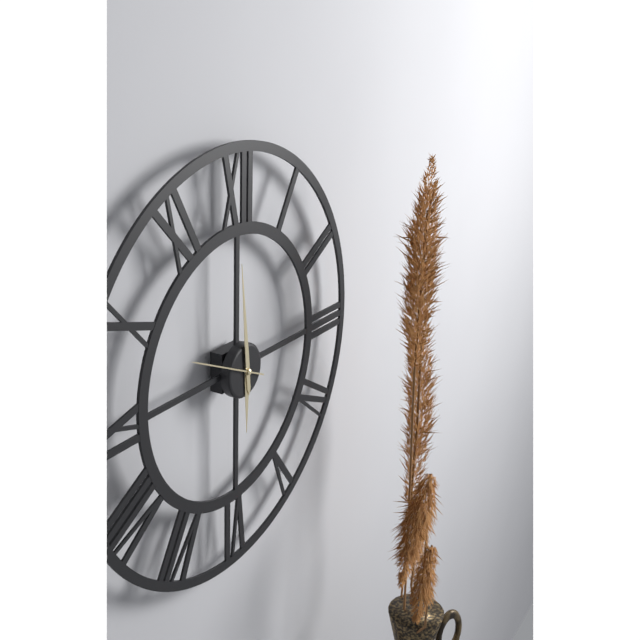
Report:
5,59,49
